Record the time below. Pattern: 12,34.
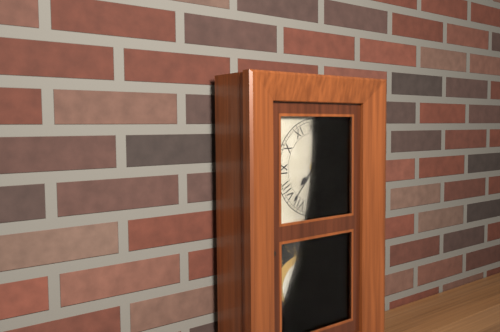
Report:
7,37
